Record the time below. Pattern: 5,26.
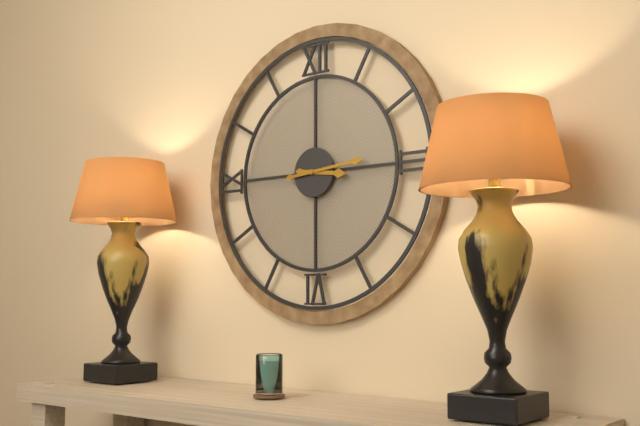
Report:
3,14
